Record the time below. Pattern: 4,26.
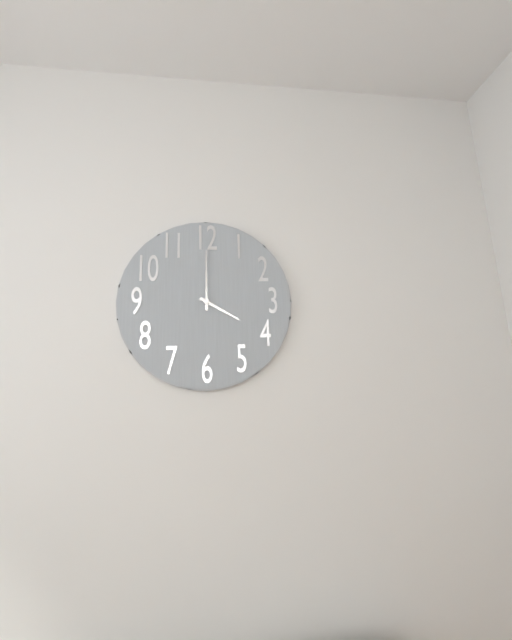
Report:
4,00
